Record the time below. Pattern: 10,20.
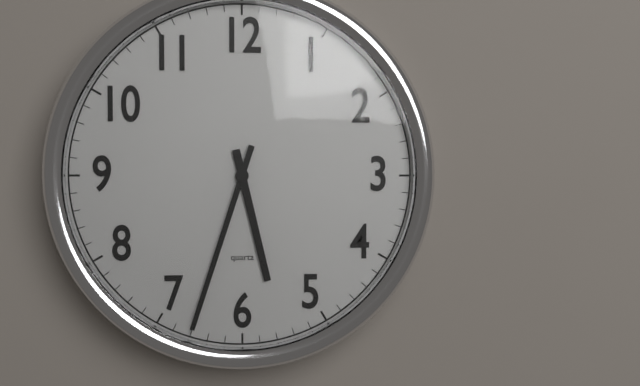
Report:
5,33
